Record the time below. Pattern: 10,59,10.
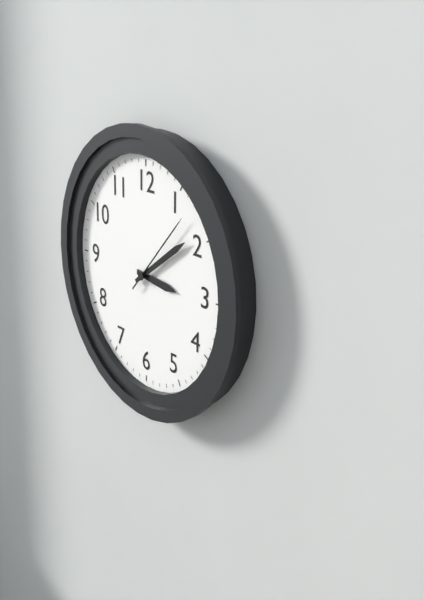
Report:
3,09,07
